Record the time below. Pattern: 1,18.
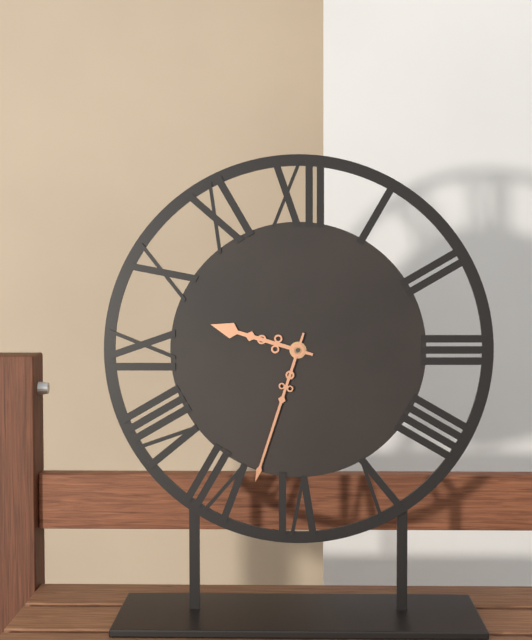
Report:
9,33
